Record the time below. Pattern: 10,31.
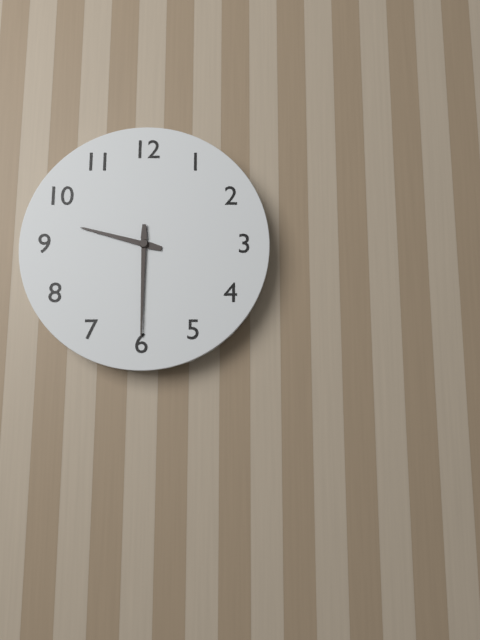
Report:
9,30
